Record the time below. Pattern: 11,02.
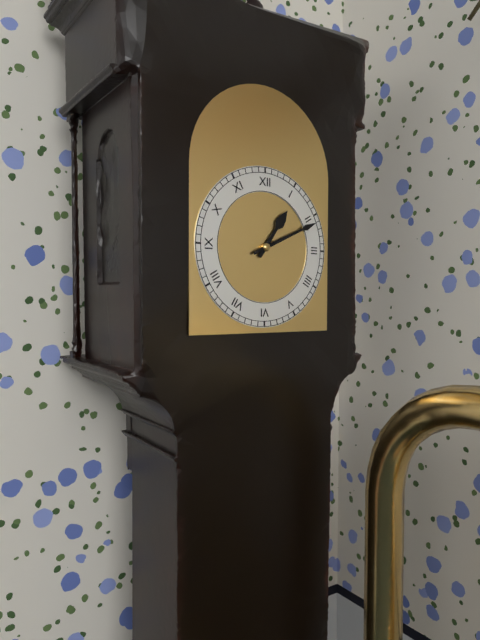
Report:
1,11
